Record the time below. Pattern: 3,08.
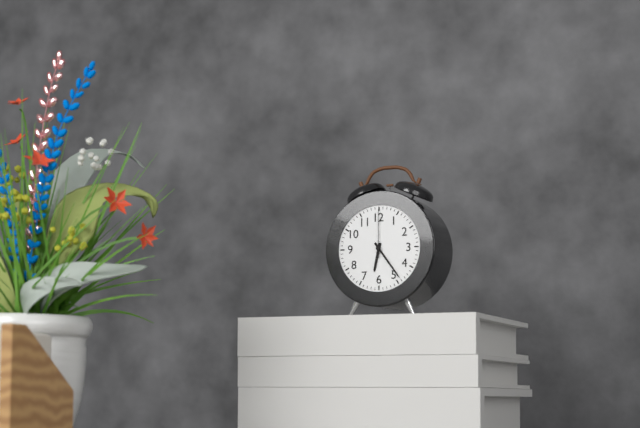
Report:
6,24
